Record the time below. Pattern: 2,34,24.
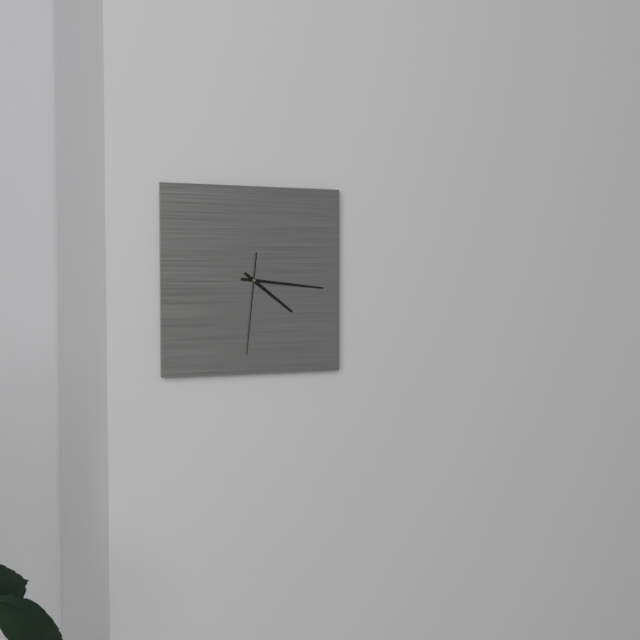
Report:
4,16,31
